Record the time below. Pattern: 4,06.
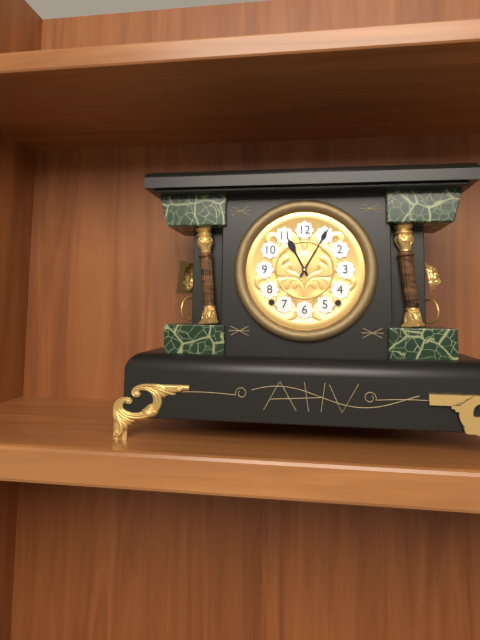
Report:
11,05
